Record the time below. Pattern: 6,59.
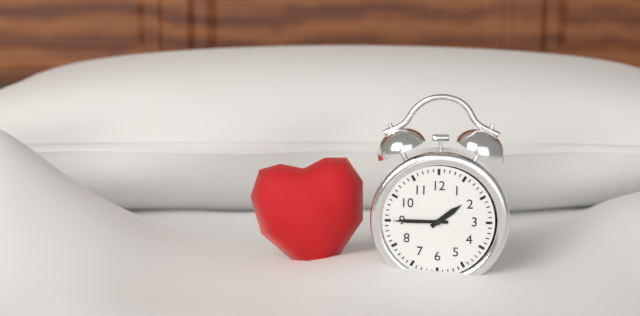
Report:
1,45
